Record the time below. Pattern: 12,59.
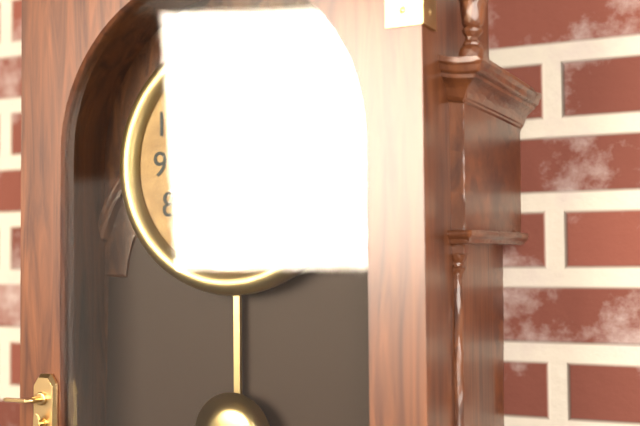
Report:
2,23
